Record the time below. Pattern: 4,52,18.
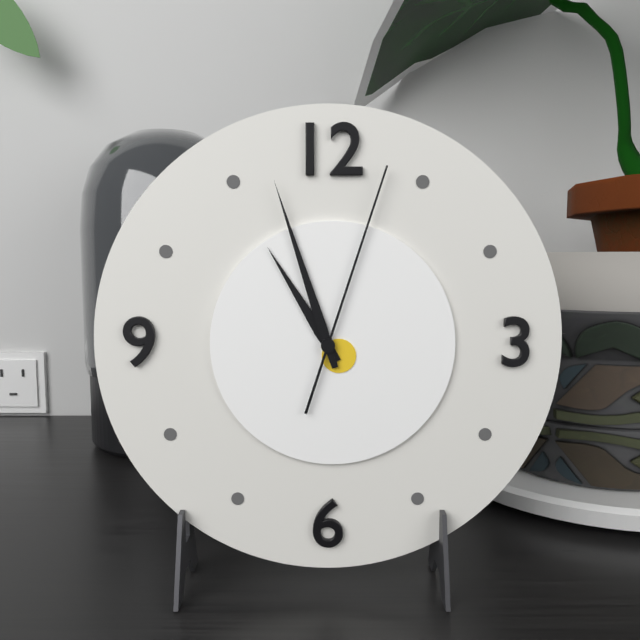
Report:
10,57,03
